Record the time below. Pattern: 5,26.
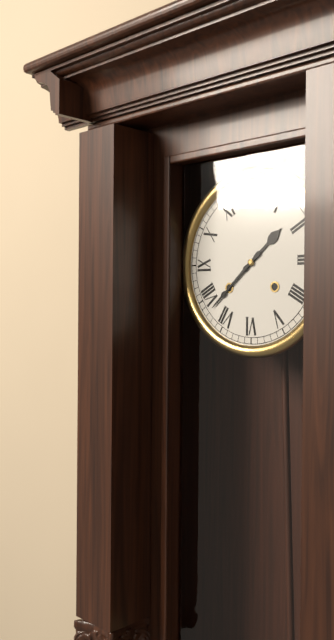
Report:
1,38
